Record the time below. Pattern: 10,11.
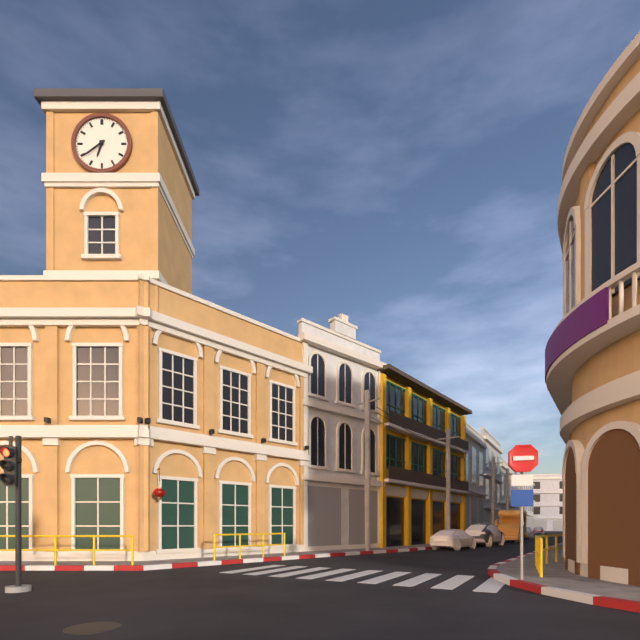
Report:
6,39
